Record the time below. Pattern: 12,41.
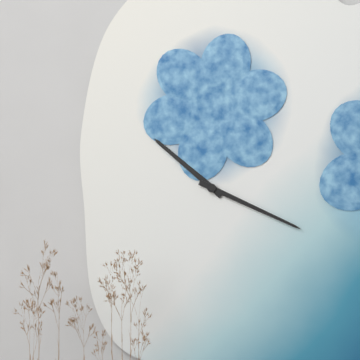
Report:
10,19
